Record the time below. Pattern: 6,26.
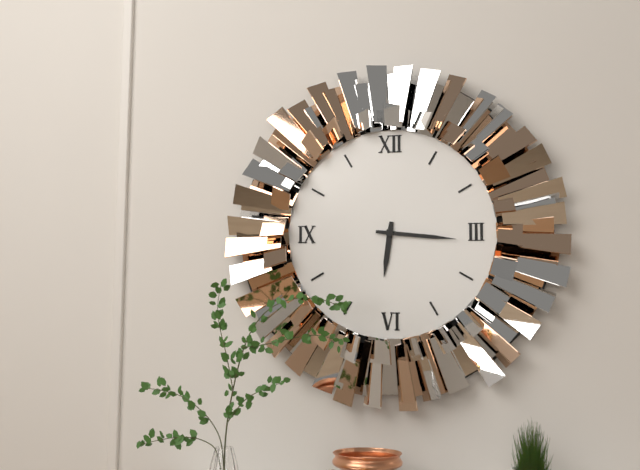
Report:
6,16
